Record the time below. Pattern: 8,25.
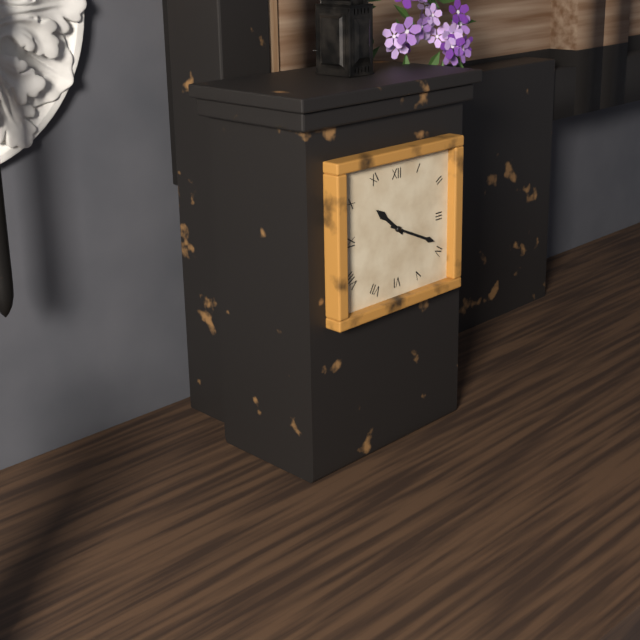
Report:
10,19
